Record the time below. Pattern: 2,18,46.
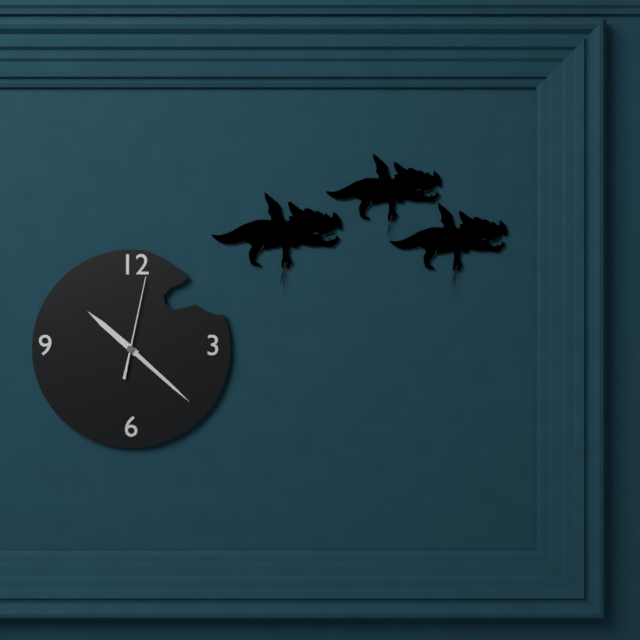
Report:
10,22,02
